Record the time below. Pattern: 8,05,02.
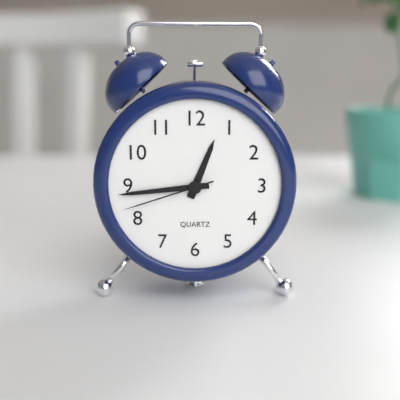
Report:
12,44,42
